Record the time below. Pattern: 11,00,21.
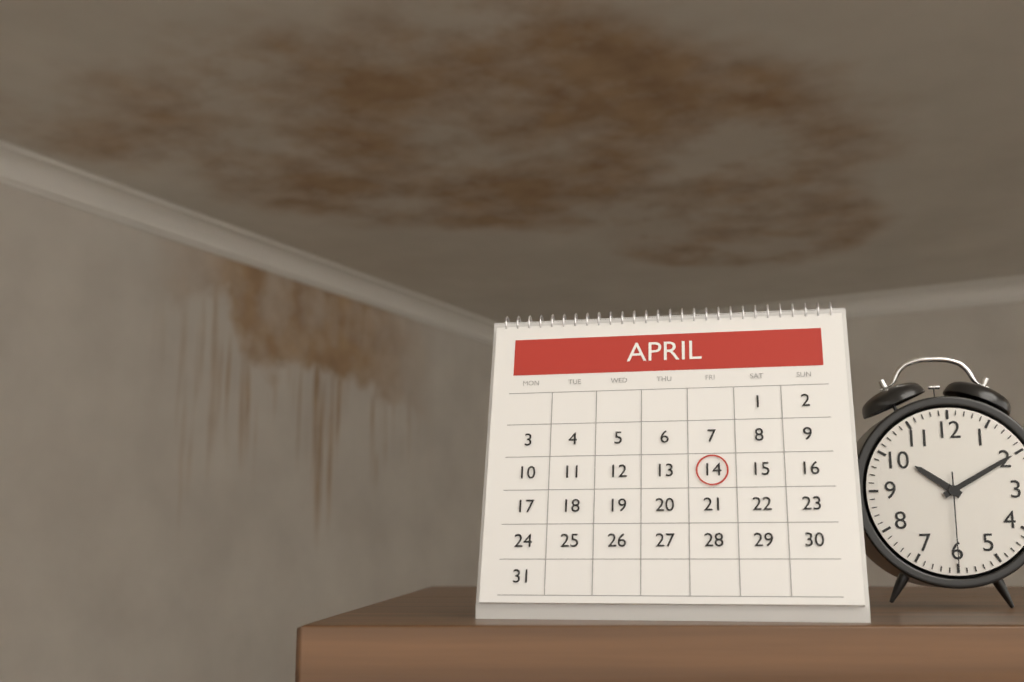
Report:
10,10,30
